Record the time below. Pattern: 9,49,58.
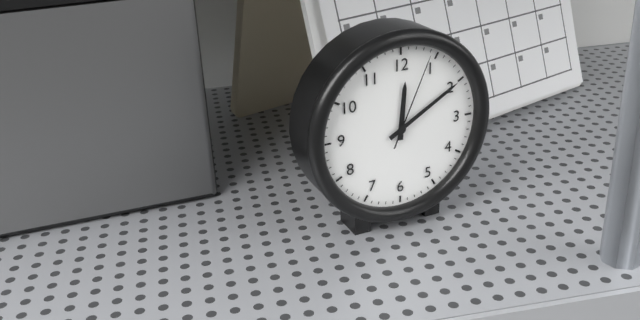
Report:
12,10,04
